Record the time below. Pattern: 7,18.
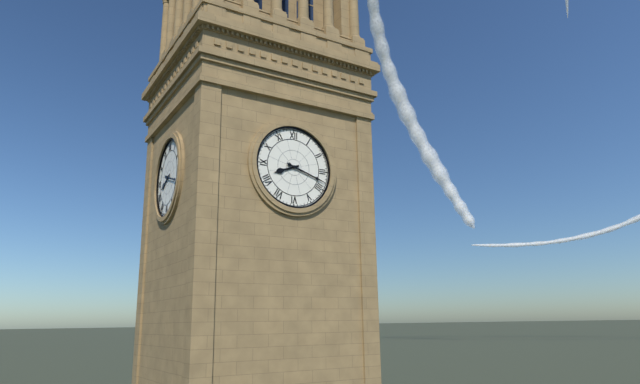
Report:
8,18
